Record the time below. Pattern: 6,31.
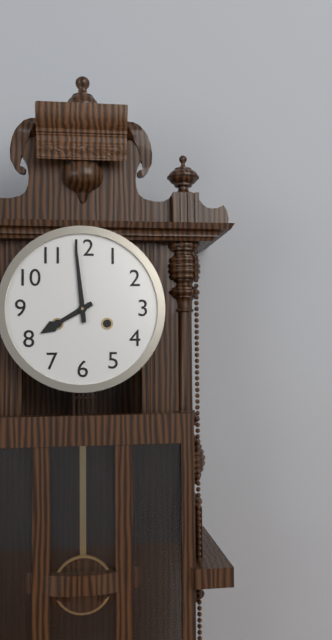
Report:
7,59
